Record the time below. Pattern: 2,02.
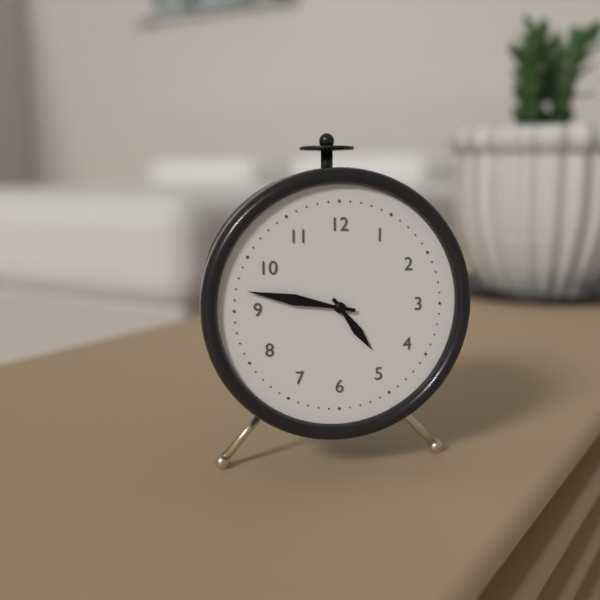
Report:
4,47
